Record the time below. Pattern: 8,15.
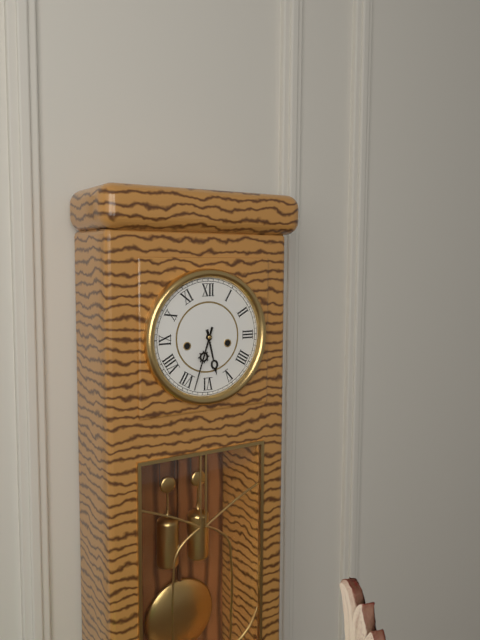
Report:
5,33
